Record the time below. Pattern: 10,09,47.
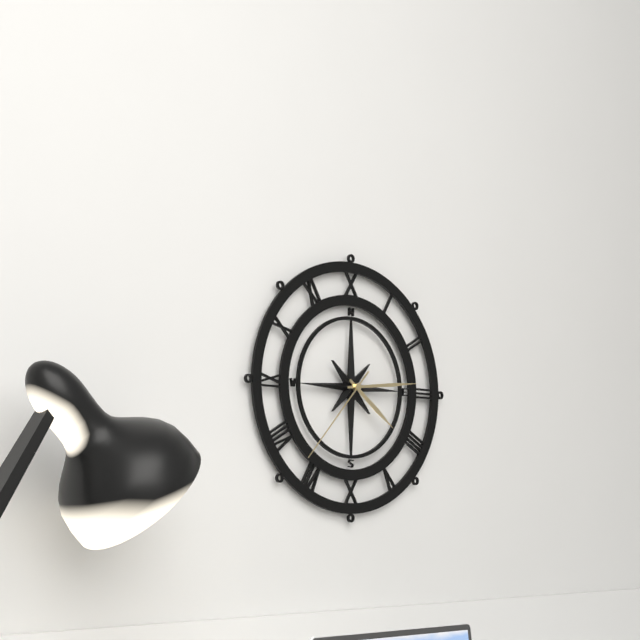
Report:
4,14,37
